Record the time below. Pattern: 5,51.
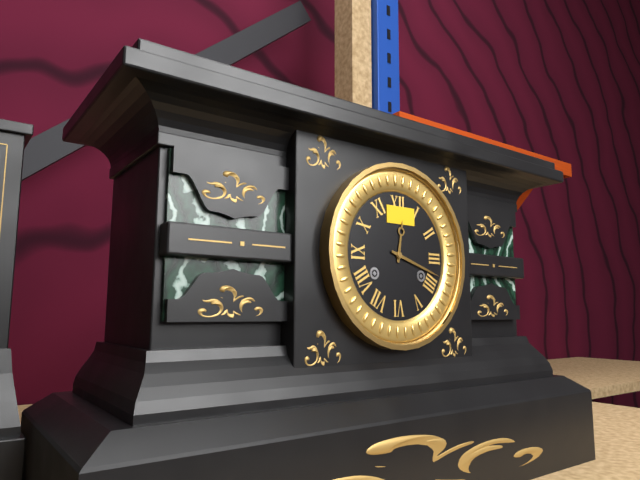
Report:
12,18
